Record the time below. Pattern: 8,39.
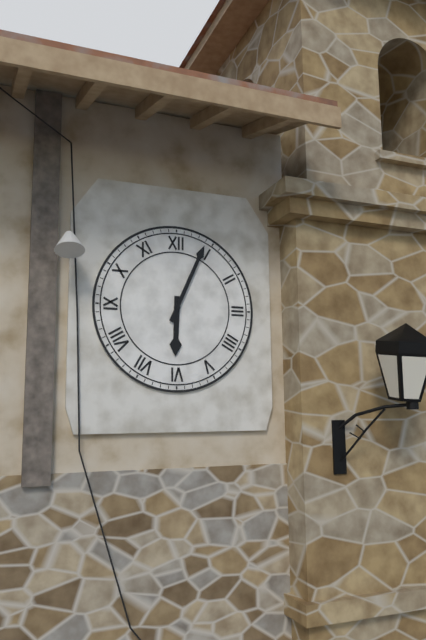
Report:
6,04
